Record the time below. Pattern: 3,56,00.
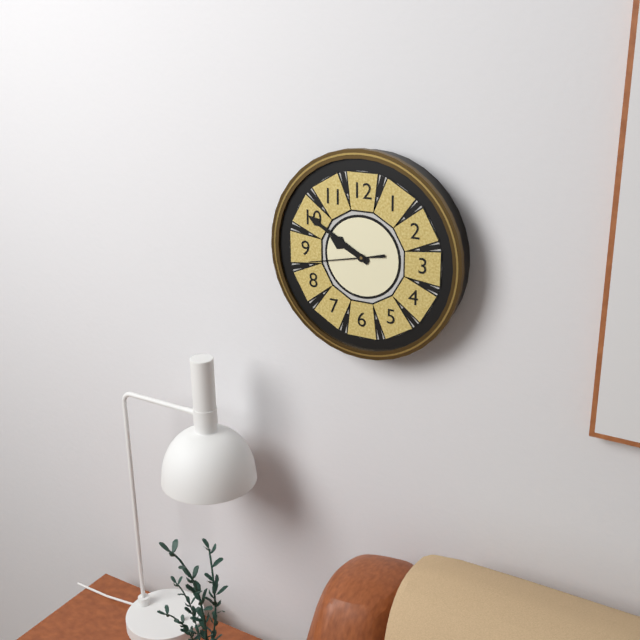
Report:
9,50,43
